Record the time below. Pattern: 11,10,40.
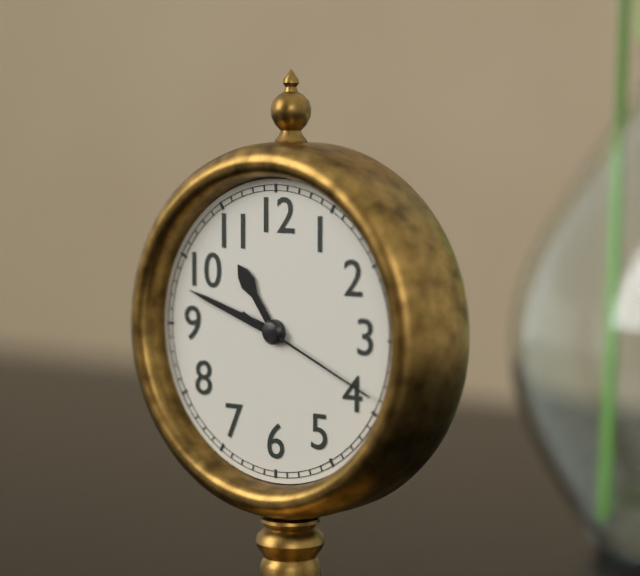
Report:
10,48,19
